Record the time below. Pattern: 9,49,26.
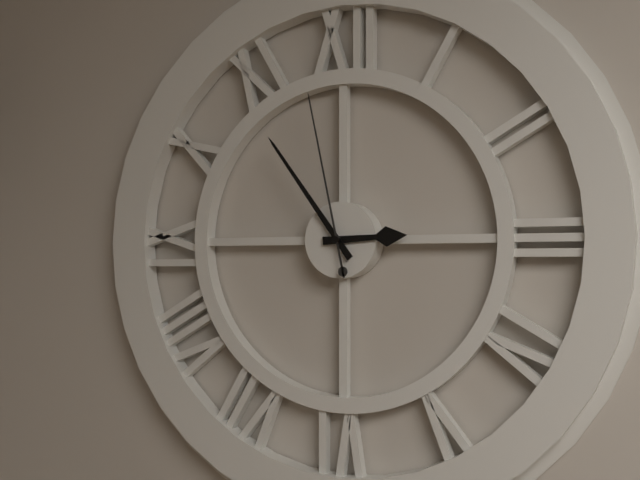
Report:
2,54,58
